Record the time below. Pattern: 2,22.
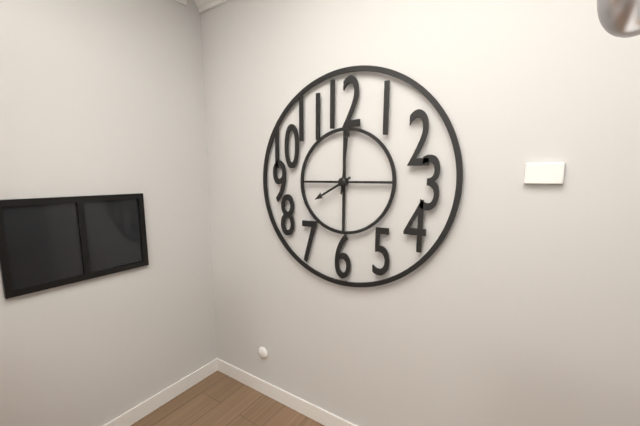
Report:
8,01
